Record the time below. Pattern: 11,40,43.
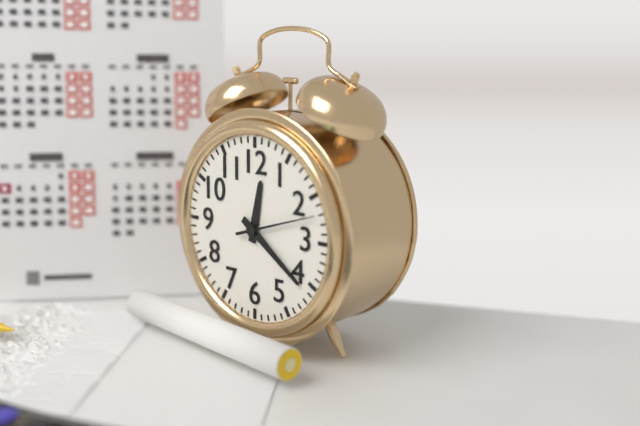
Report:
12,21,12
